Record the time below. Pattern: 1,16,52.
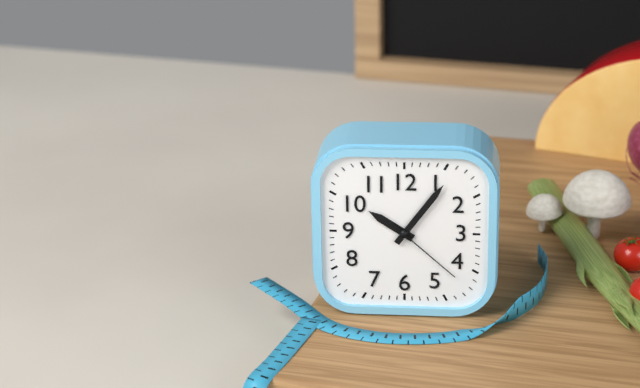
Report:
10,06,22
